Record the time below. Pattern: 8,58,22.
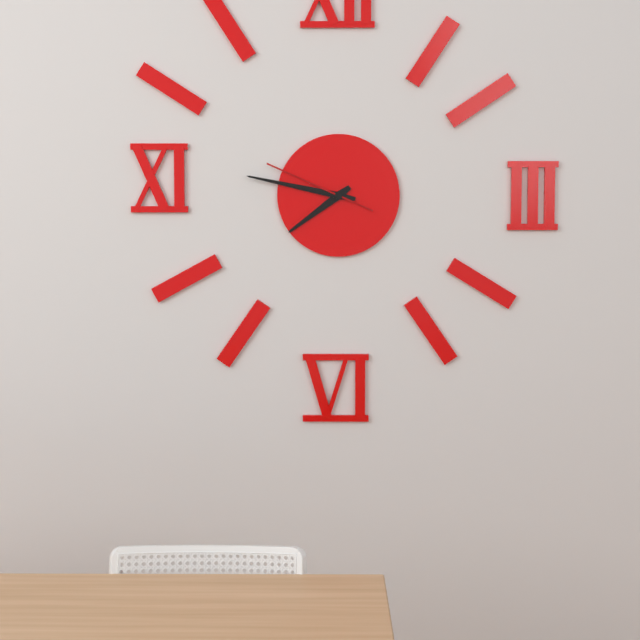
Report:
7,47,49
